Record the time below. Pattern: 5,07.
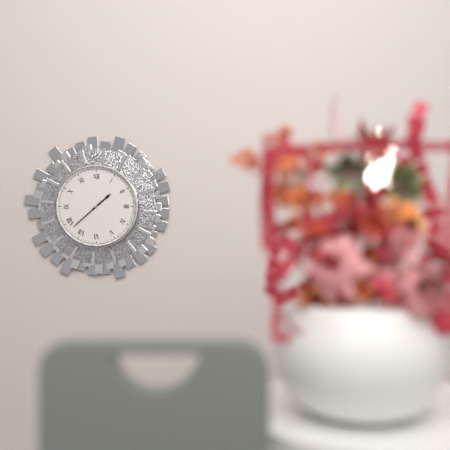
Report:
1,38
